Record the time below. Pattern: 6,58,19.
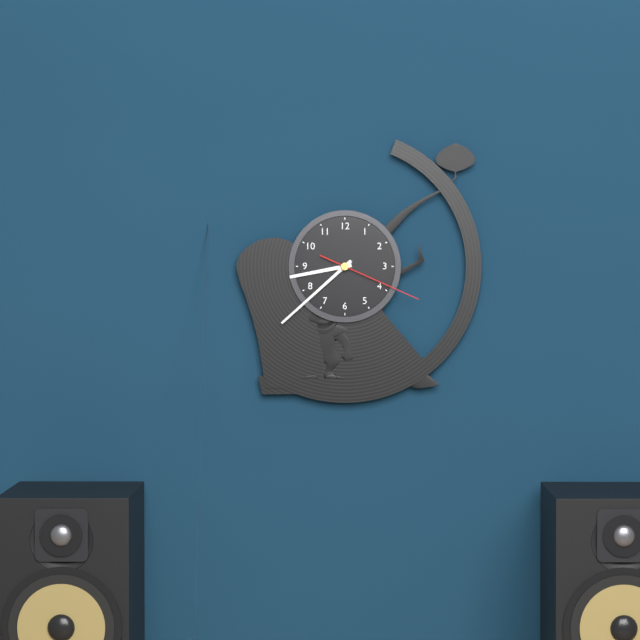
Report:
8,38,19
